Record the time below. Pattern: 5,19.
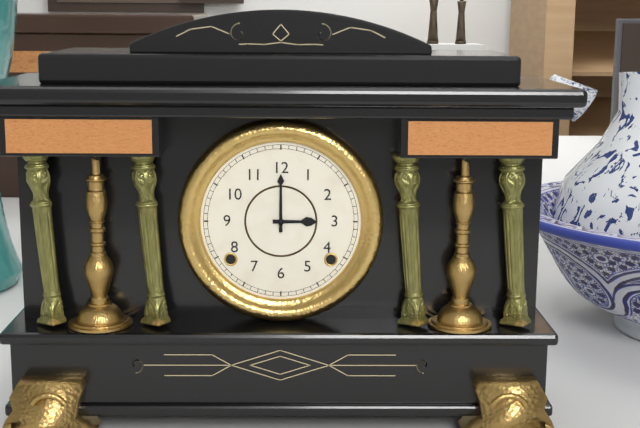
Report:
3,00
